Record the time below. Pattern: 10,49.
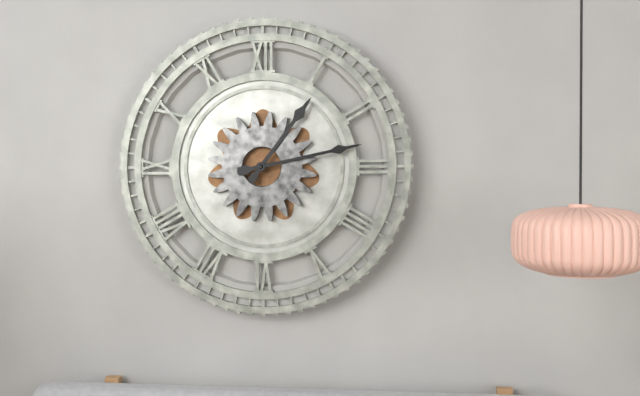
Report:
1,13
